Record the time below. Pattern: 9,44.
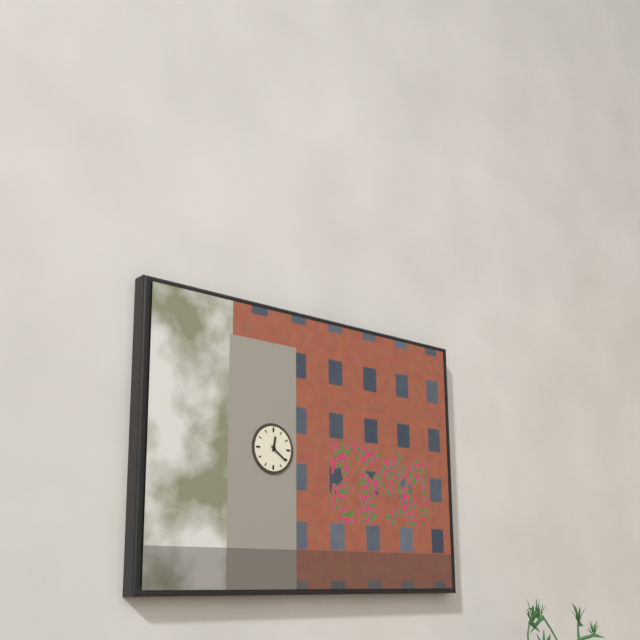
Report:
12,21
